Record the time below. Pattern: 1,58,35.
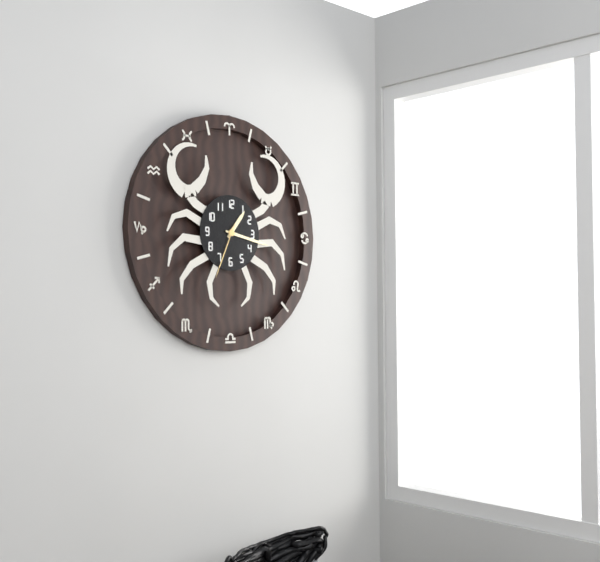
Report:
1,17,34
